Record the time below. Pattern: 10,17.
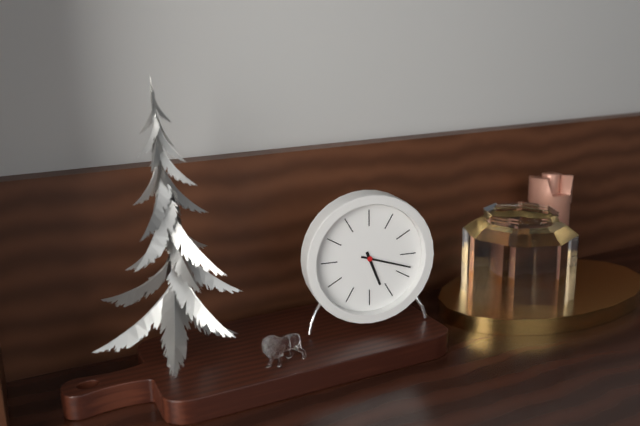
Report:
5,18
